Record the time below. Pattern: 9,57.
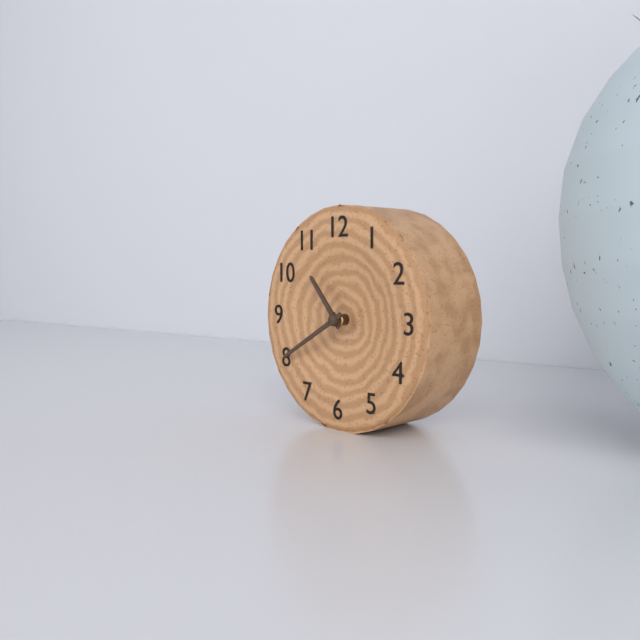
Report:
10,40
